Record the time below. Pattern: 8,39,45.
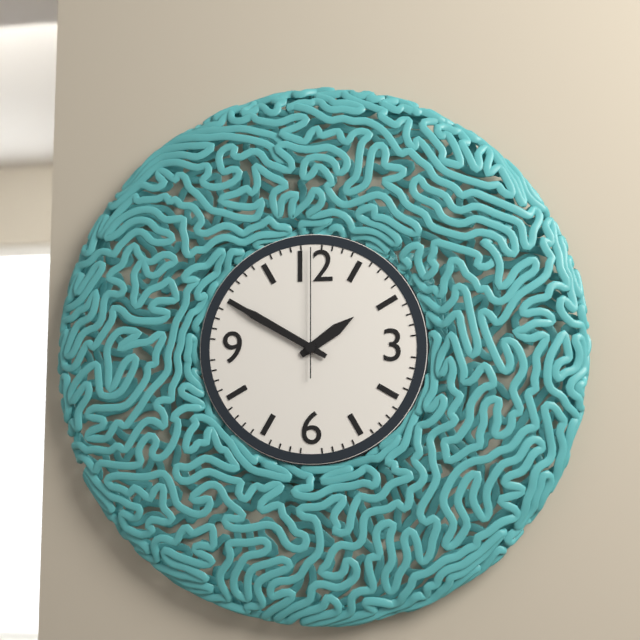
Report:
1,50,00
